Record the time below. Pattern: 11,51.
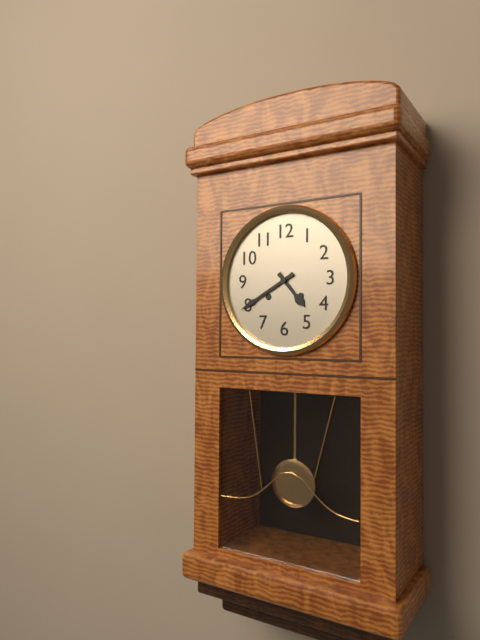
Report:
4,40
